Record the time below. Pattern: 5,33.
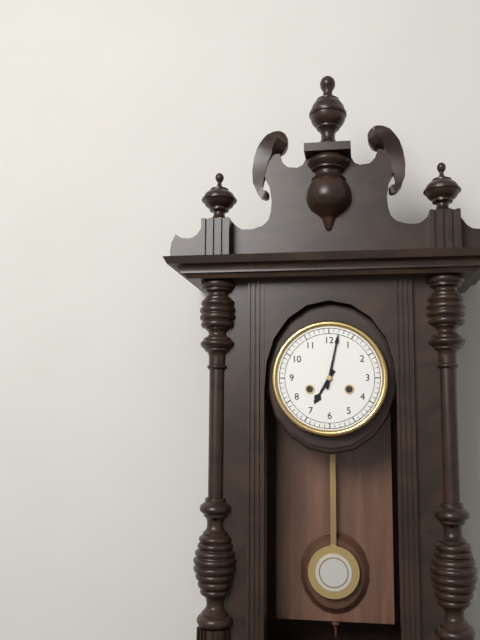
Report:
7,02
